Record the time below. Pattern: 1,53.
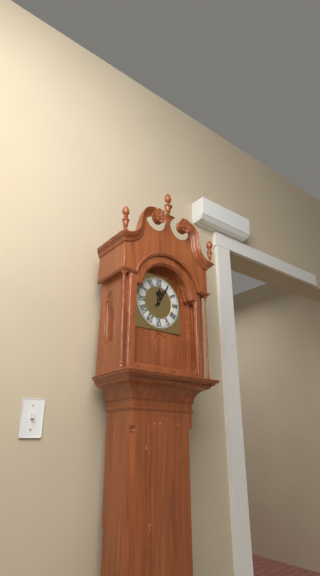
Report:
12,05
